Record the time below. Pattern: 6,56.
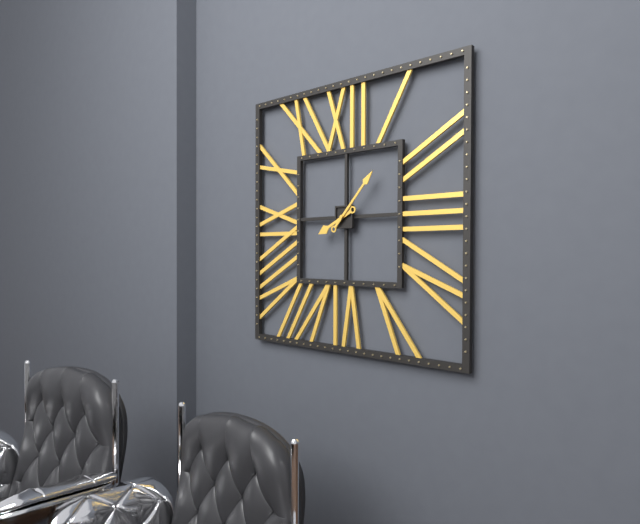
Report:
8,07
